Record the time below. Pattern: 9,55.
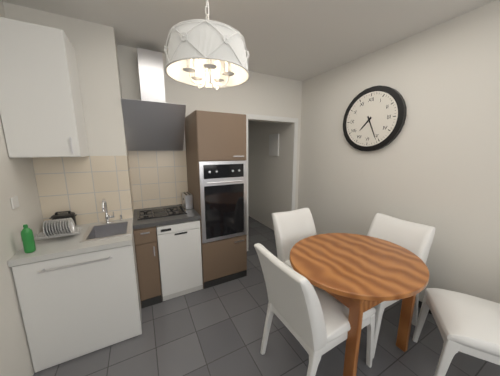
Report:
7,26
